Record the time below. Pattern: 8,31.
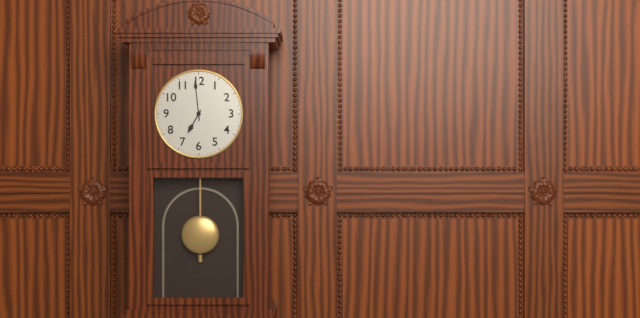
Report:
6,59
